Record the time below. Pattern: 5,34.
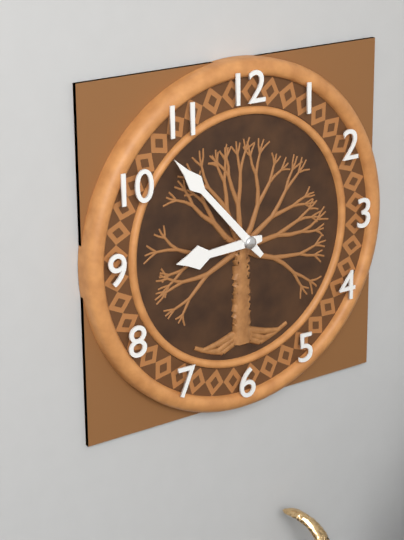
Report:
8,53
